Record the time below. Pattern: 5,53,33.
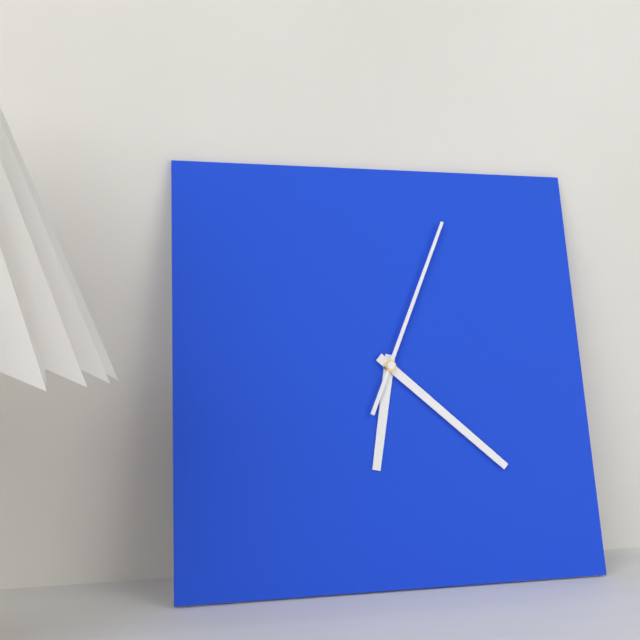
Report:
6,22,04
